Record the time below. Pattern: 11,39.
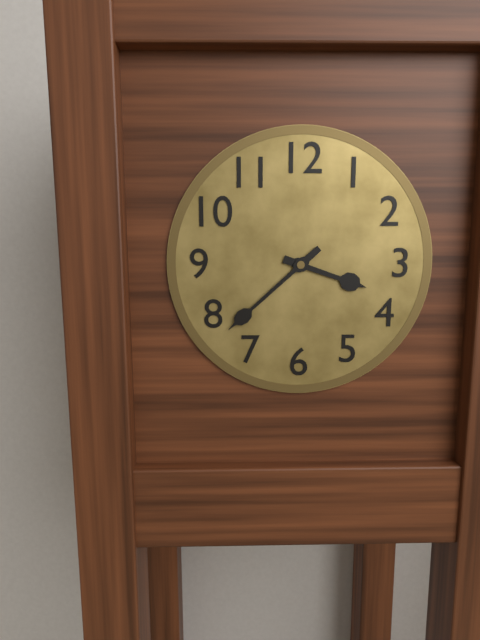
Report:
3,38
